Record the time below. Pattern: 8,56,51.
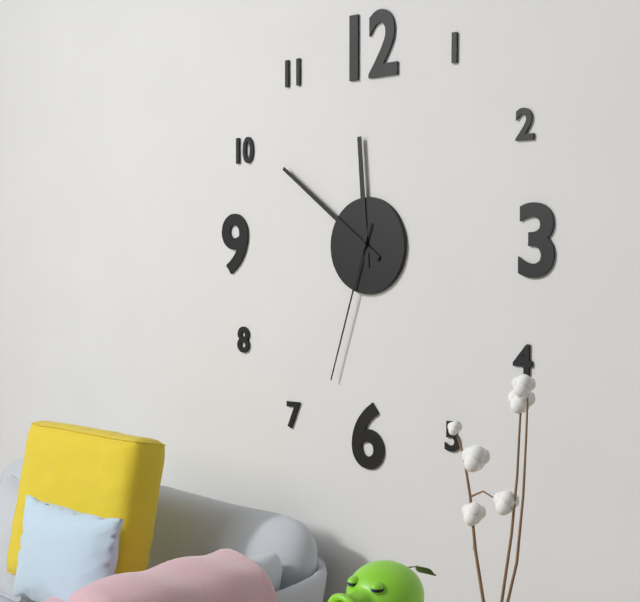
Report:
11,51,33
